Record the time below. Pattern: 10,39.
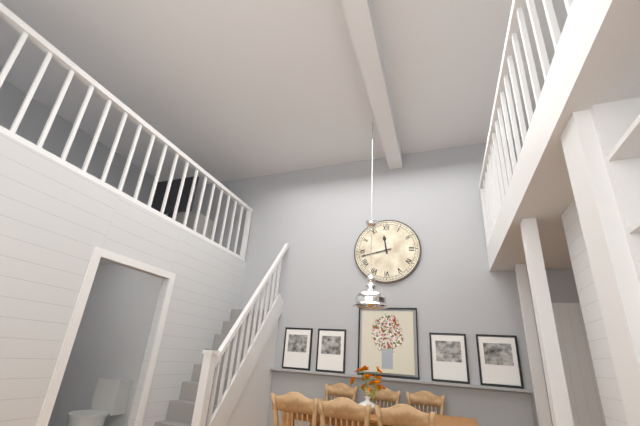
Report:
11,43
